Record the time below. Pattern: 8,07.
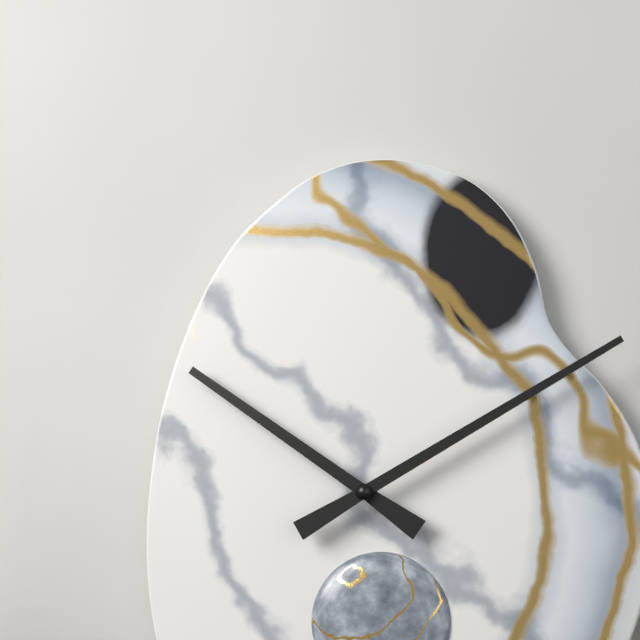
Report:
10,10
